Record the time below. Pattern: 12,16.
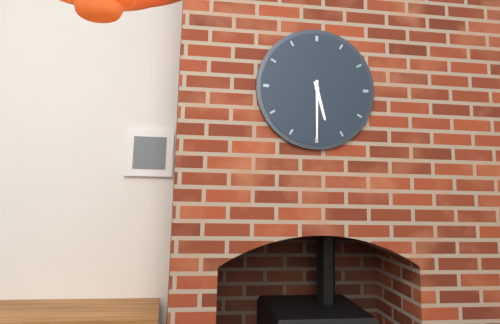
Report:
5,30
